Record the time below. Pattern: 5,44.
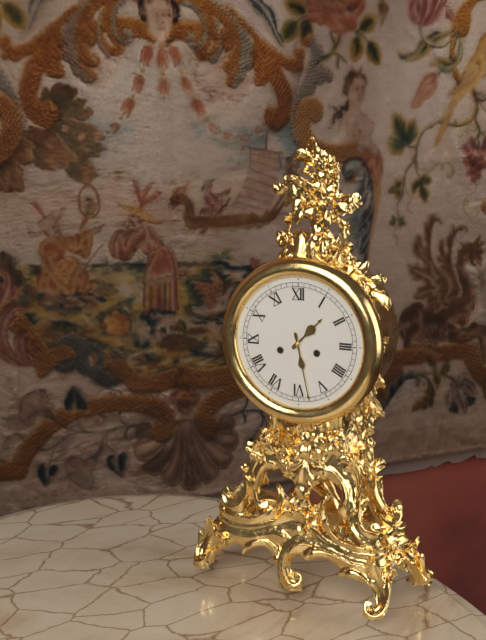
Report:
1,28
